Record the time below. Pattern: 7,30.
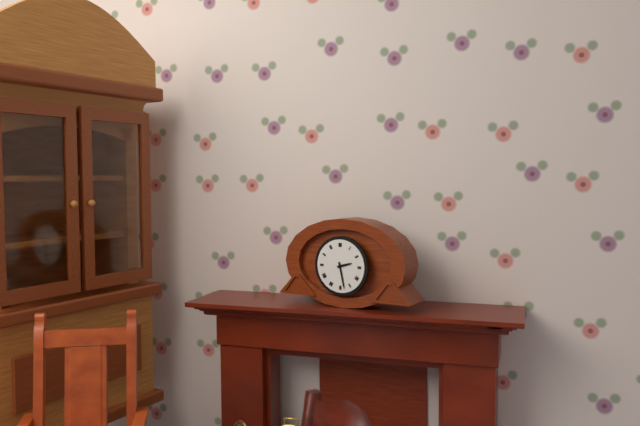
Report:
2,28
